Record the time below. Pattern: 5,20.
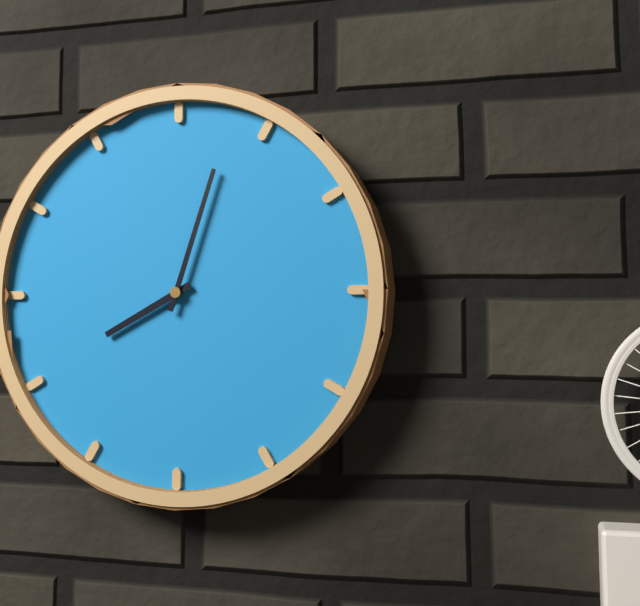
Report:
8,03
